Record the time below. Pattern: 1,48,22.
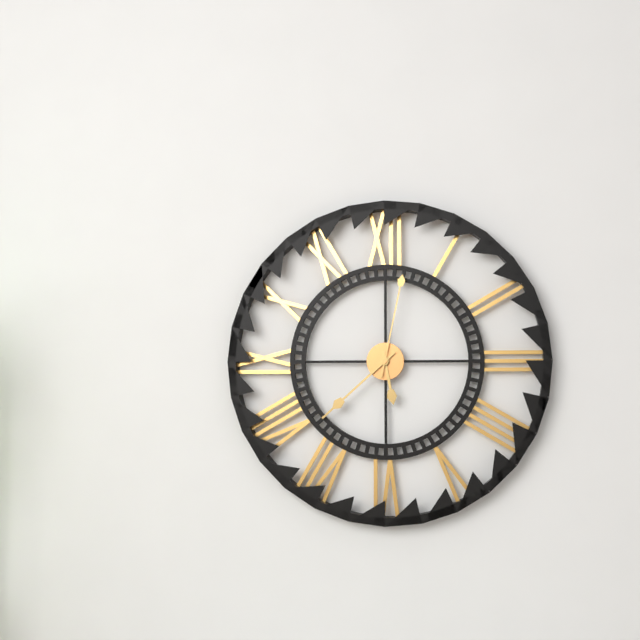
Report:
5,38,02
